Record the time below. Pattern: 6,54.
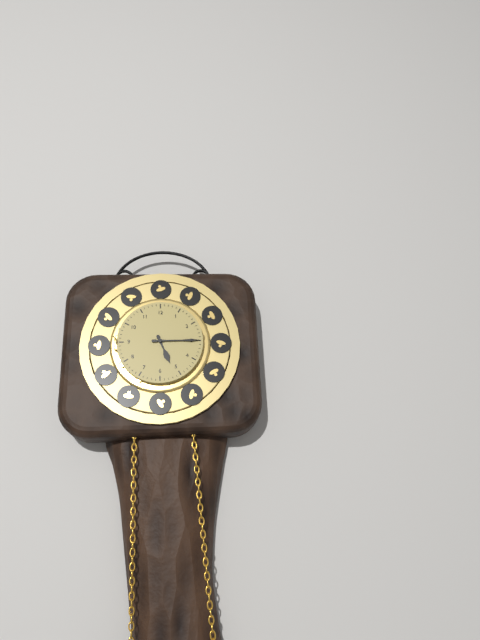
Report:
5,15
